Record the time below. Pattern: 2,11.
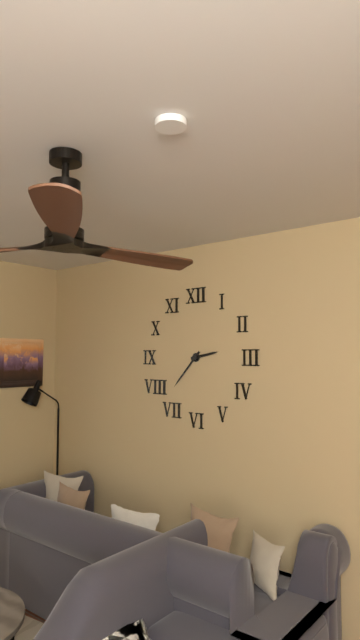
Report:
2,37
